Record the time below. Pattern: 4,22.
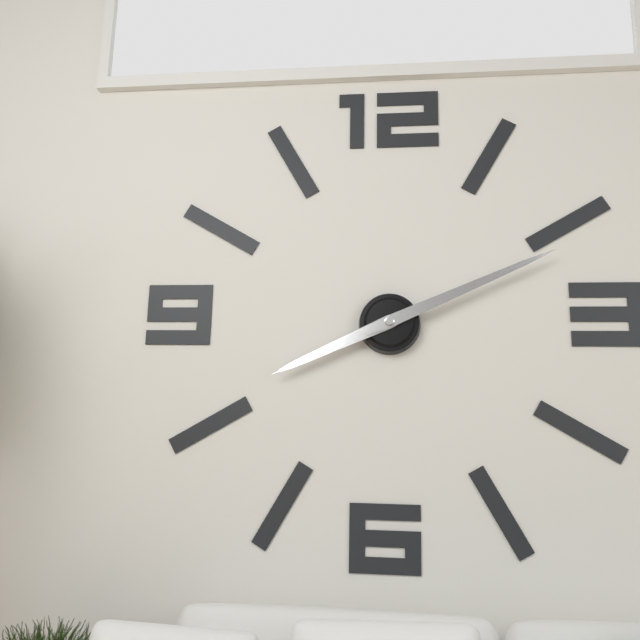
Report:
8,11
